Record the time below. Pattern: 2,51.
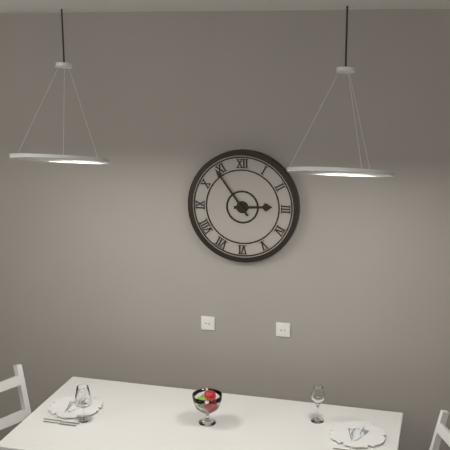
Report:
2,54
